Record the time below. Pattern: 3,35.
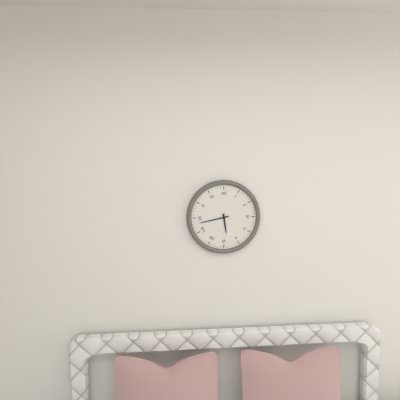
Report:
5,43
